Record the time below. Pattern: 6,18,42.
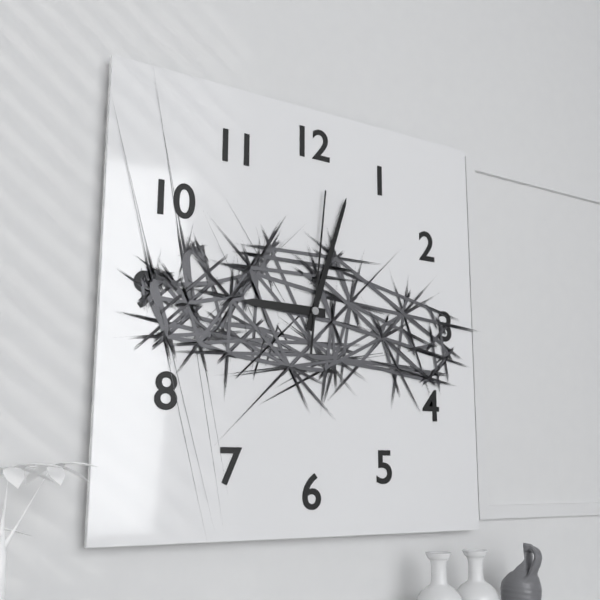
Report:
9,03,01
